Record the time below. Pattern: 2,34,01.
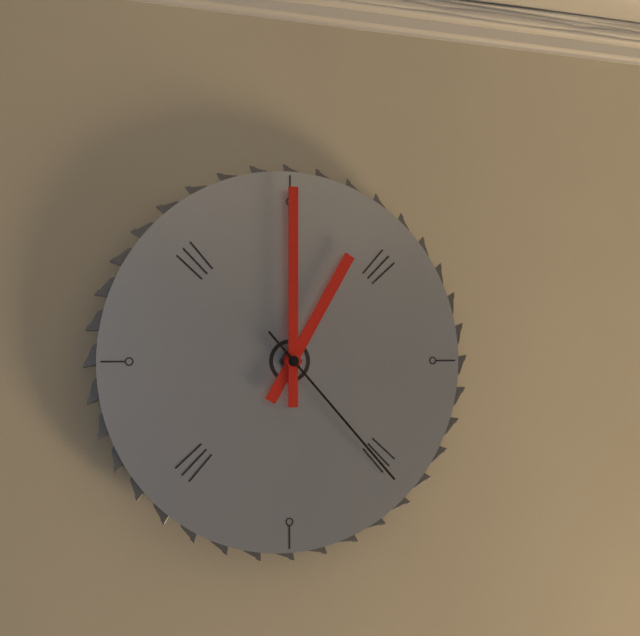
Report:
1,00,23
